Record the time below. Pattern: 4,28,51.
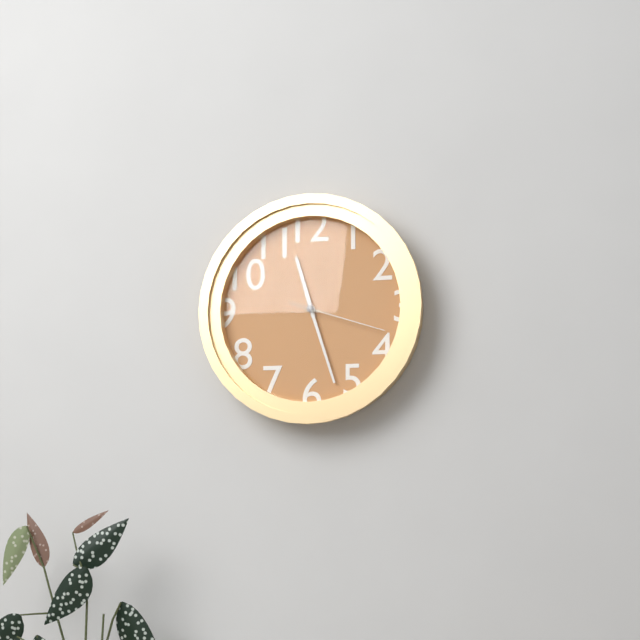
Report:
11,27,18
